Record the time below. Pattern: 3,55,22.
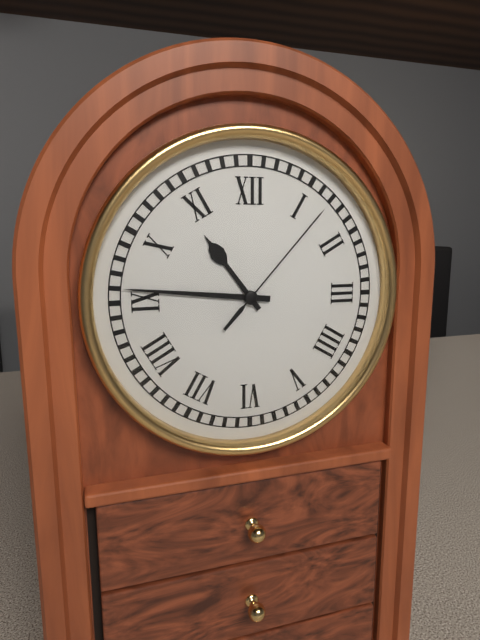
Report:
10,46,07
